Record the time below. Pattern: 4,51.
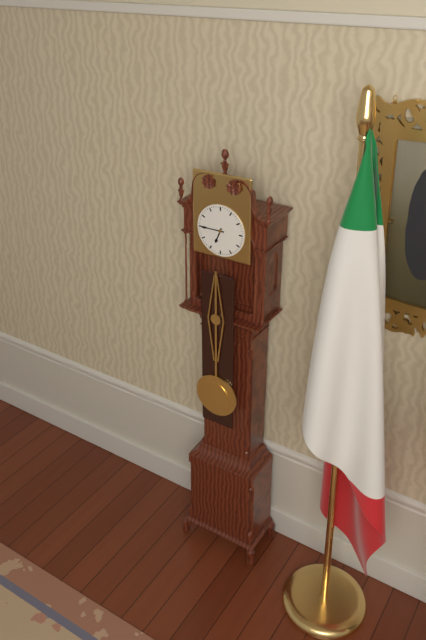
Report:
6,45
